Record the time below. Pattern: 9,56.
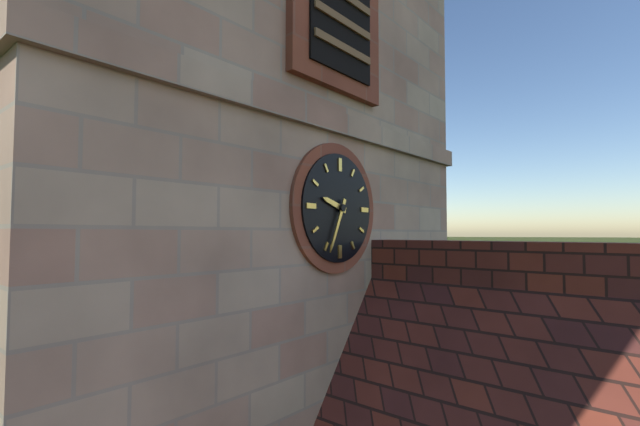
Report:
9,34
